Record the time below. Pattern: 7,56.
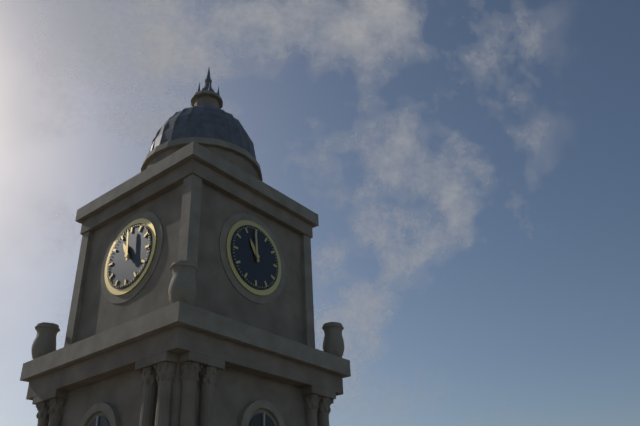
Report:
10,59
